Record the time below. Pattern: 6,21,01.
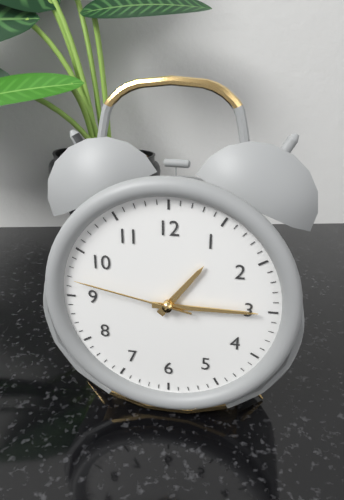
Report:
1,15,47
